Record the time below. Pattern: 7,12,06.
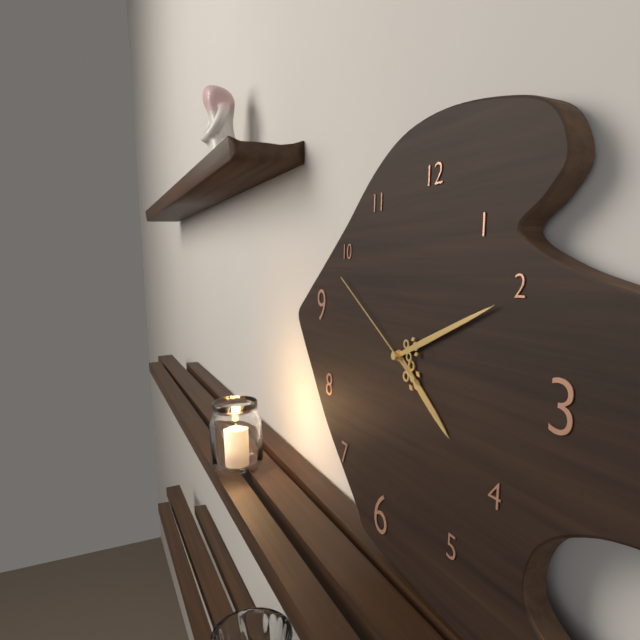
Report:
4,11,50
